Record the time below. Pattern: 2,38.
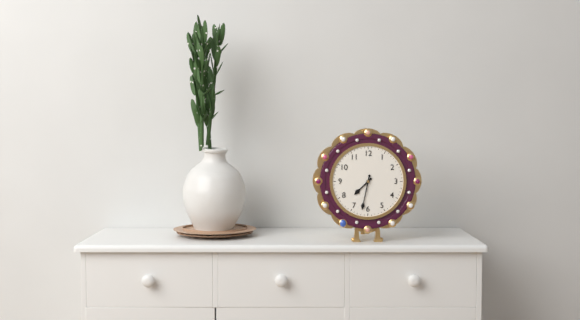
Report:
7,32
